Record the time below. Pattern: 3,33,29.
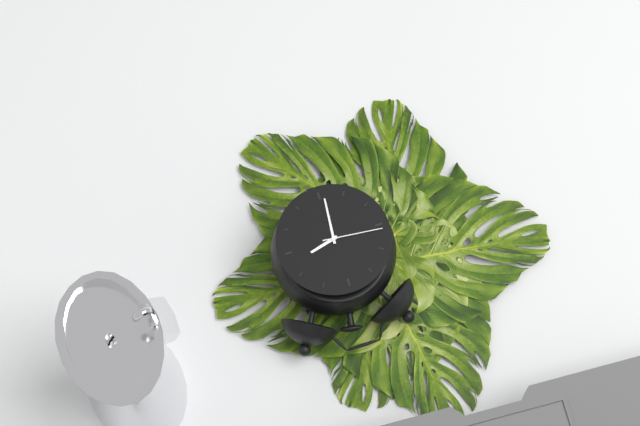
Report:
2,31,46
